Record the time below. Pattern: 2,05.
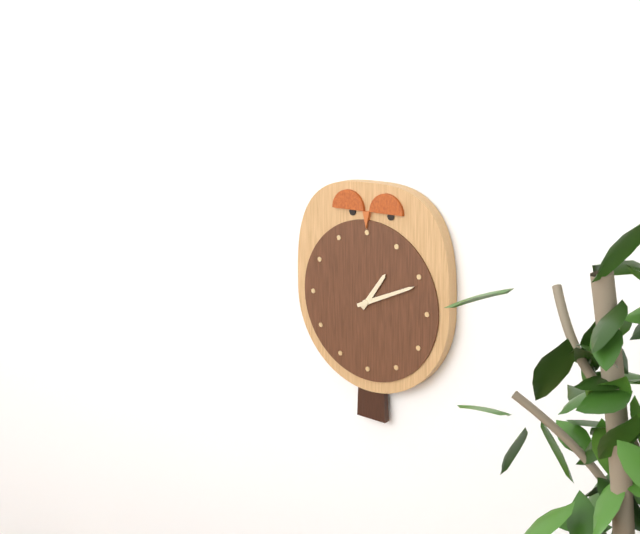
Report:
1,11
